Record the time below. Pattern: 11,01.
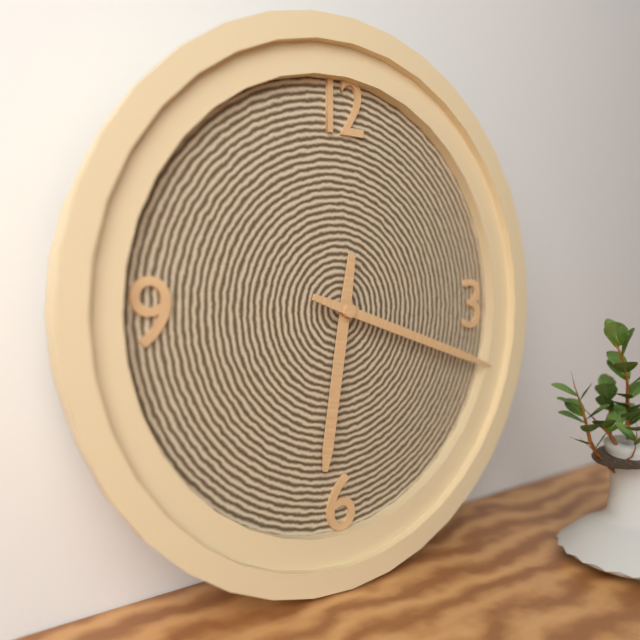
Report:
6,18
